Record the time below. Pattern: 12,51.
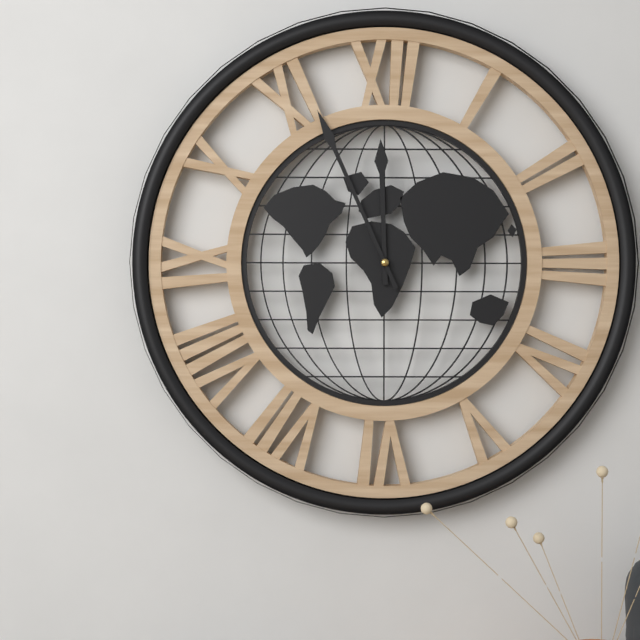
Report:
11,56
